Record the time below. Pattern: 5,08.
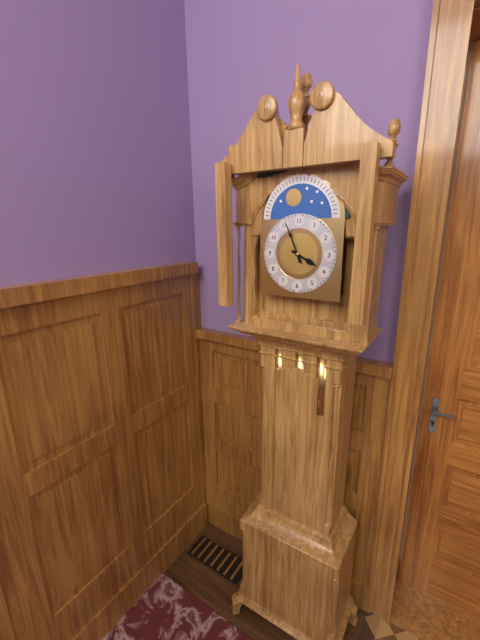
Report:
3,56
